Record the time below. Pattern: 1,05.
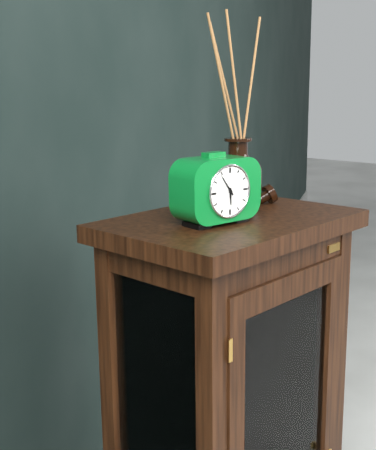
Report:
5,54
